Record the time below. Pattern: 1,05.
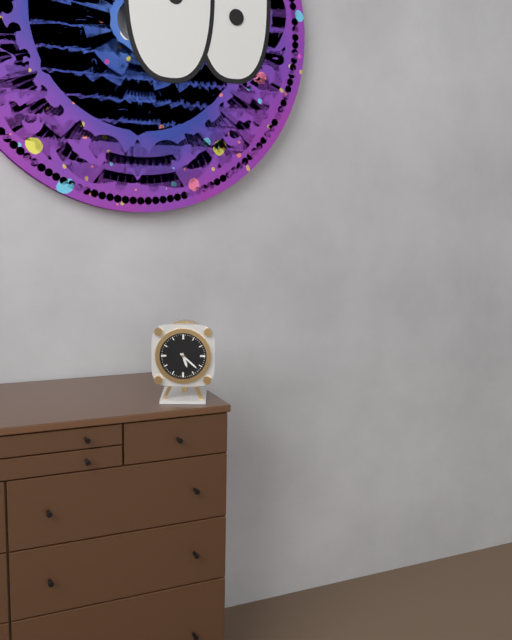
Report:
5,22
